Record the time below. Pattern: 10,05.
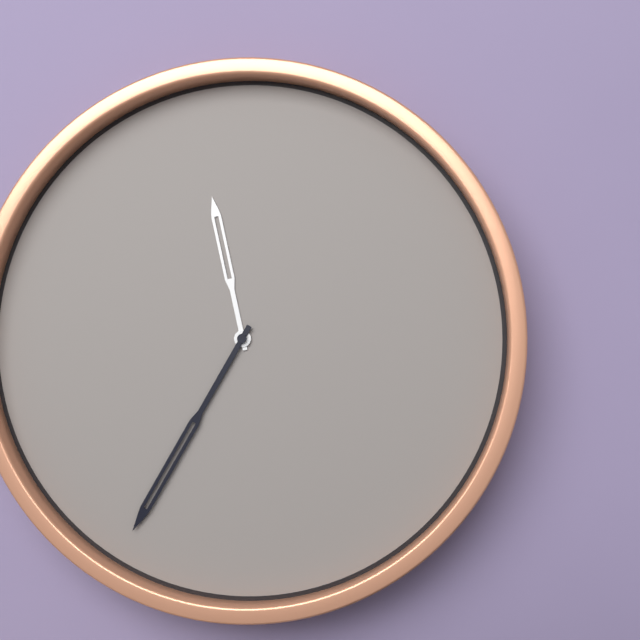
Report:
11,35
